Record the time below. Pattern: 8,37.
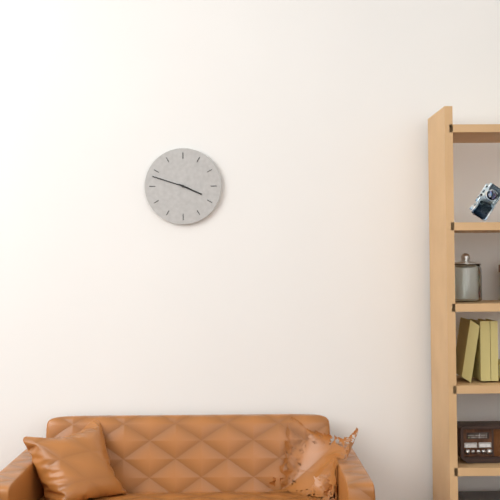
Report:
3,48
